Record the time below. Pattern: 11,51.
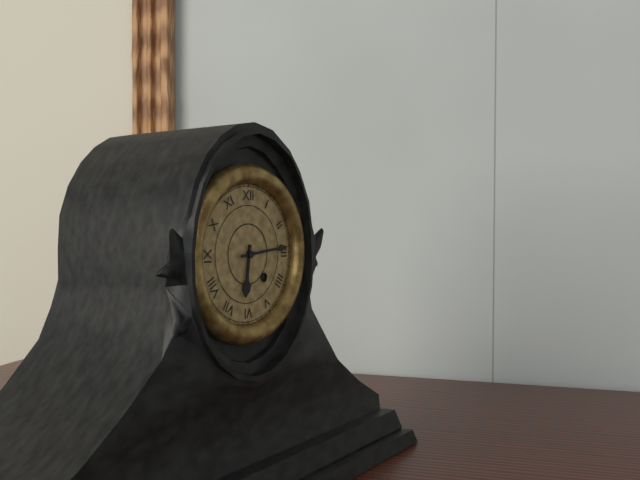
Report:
6,14
